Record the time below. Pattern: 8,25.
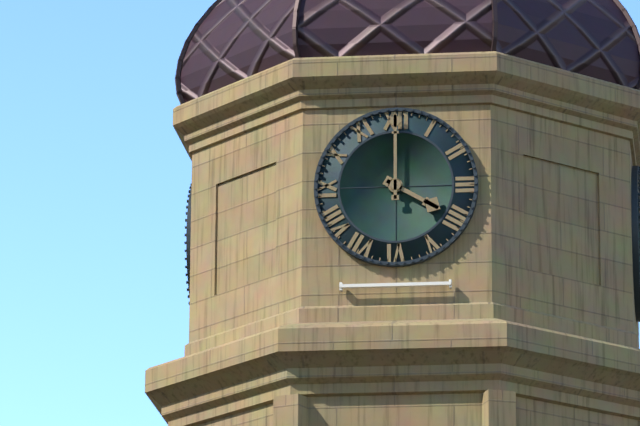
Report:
4,00
